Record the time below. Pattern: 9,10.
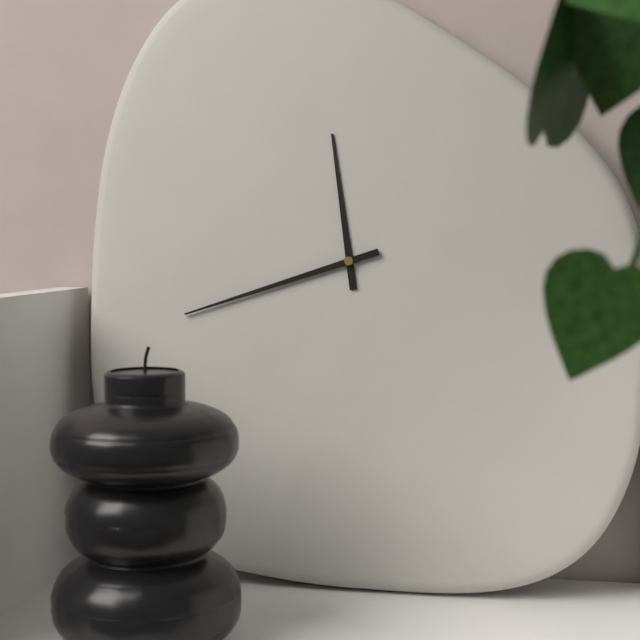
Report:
11,42
